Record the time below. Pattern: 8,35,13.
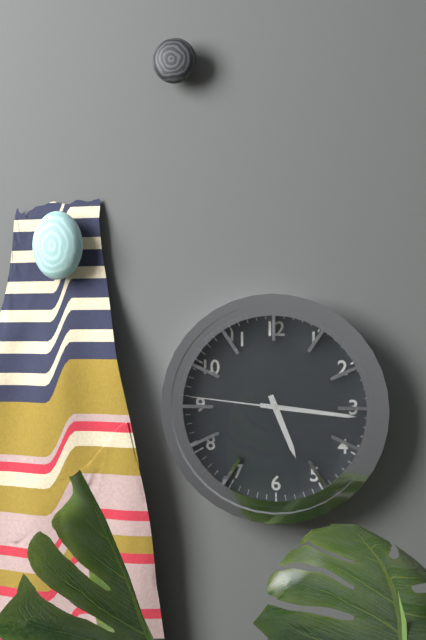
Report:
5,16,46
